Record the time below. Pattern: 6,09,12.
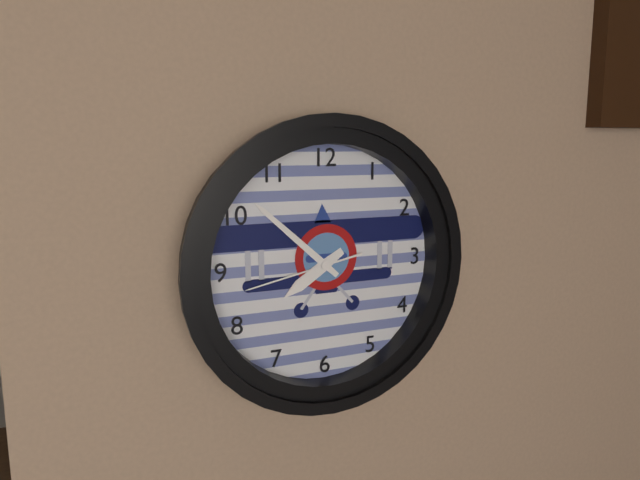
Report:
7,52,43
